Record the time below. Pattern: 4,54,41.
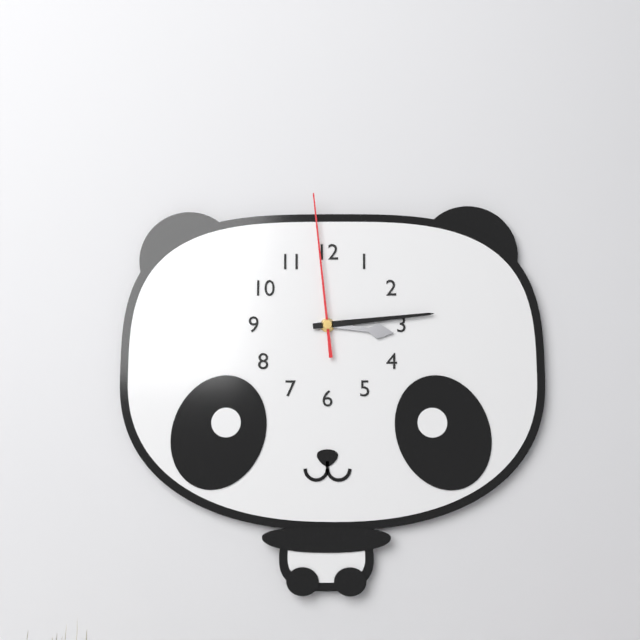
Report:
3,14,59
